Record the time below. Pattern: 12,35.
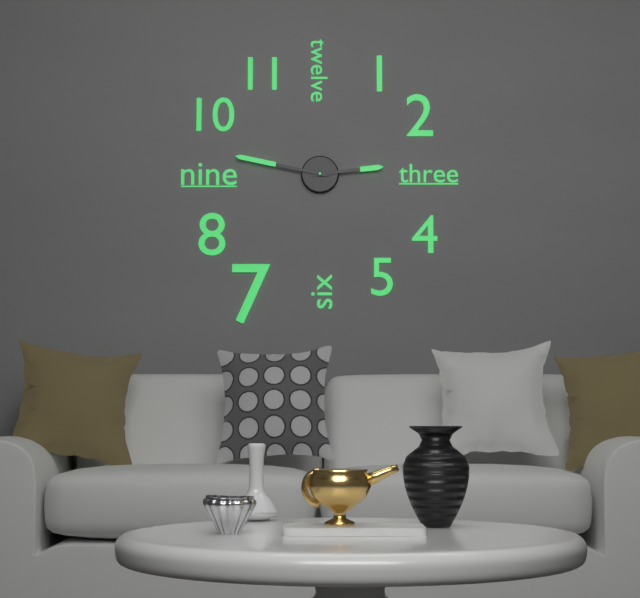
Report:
2,47
